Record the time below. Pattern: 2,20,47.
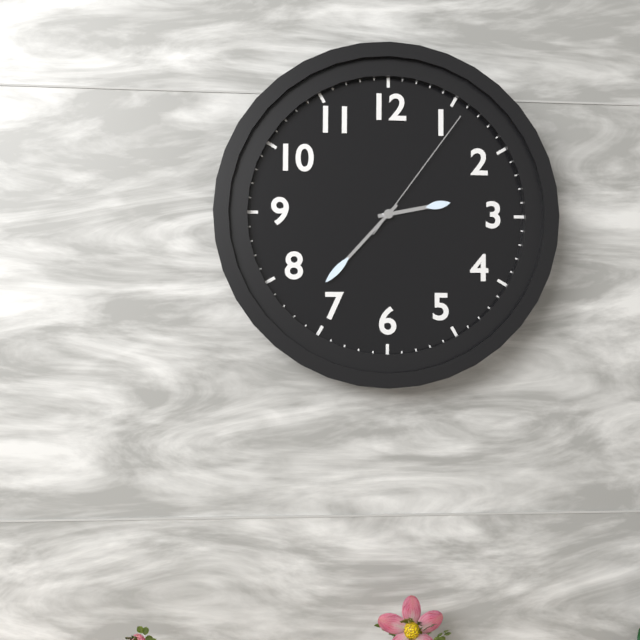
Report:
2,37,06
